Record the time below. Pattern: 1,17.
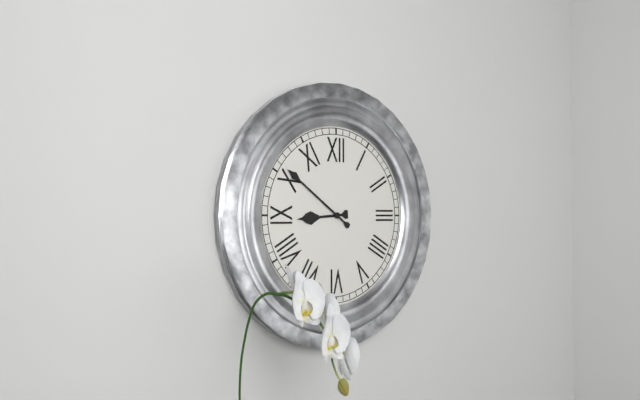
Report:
8,51
